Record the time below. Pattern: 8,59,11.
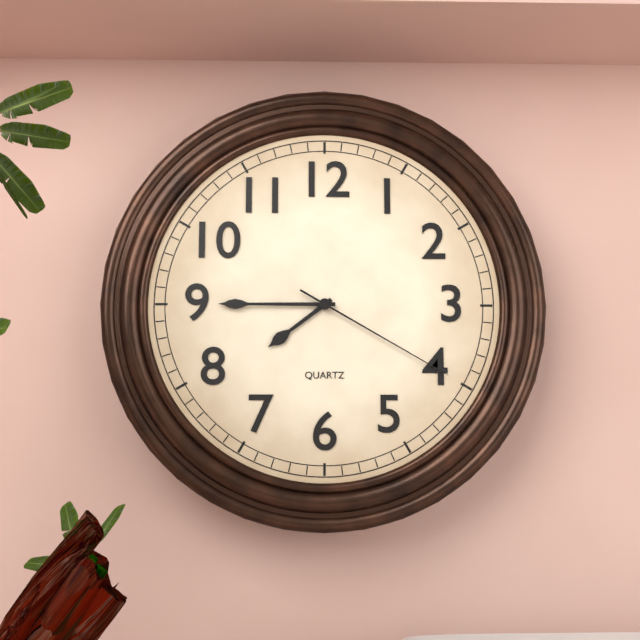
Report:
7,45,20
